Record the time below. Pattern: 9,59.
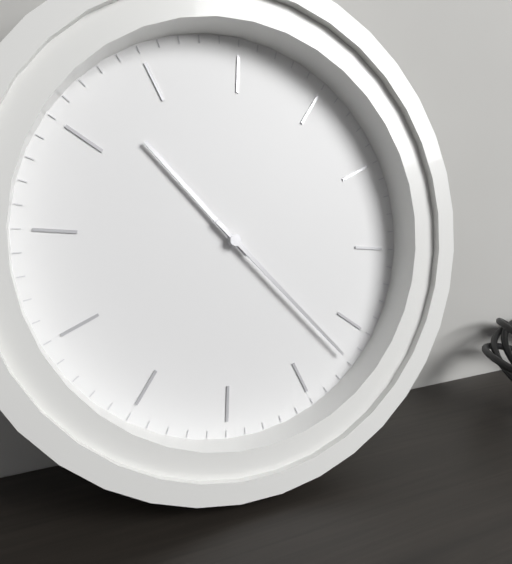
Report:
11,27
